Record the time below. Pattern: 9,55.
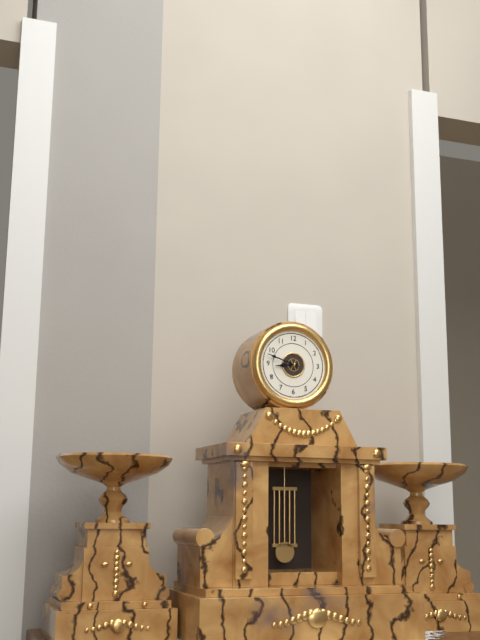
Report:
8,48
